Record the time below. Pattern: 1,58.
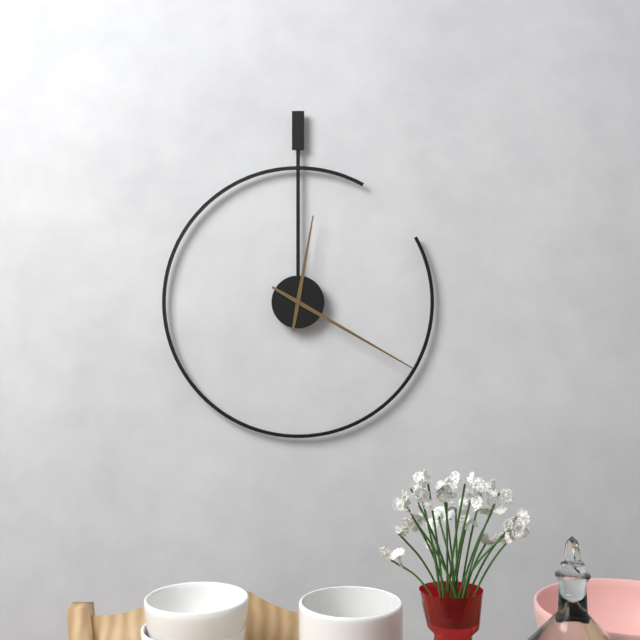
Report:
12,20
